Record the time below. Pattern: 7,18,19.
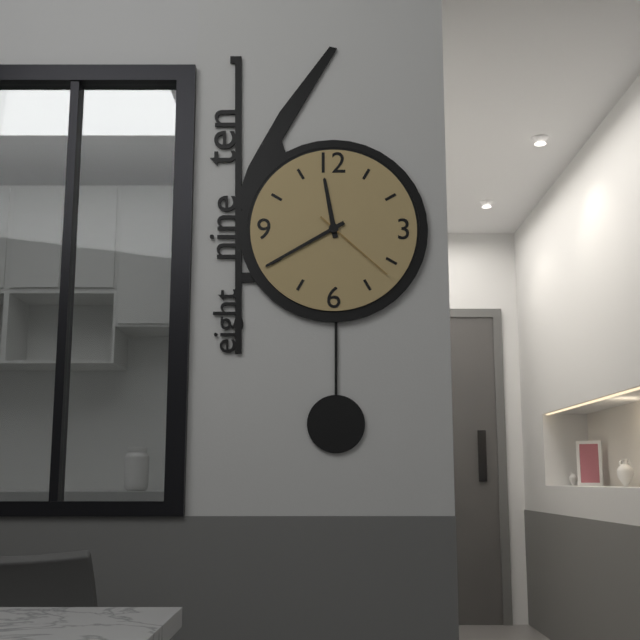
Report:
11,40,22
